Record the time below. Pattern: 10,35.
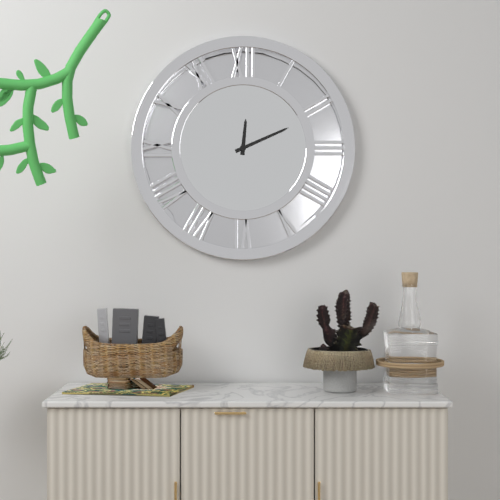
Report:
12,11
